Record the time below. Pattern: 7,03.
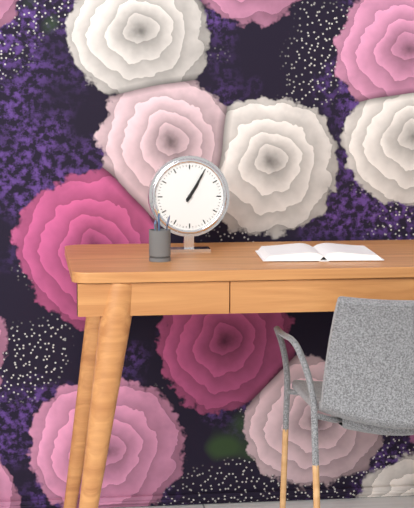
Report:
1,05
